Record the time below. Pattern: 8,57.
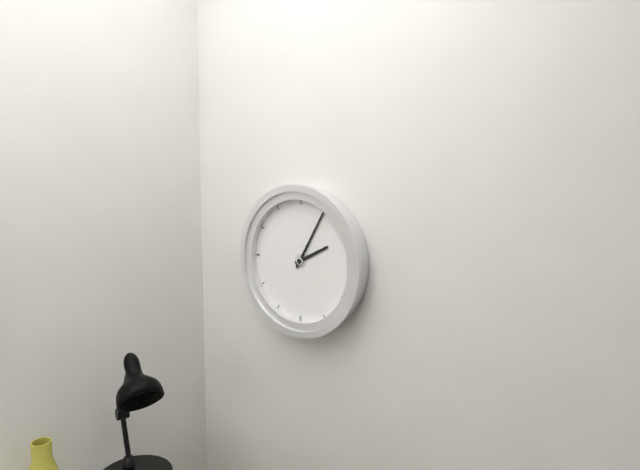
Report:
2,05
